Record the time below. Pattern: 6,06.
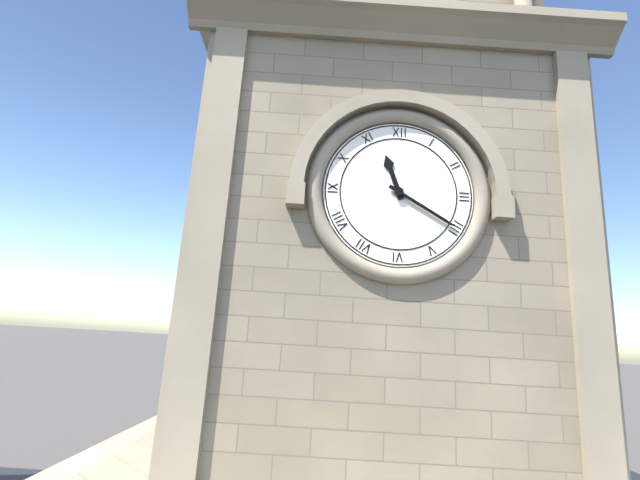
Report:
11,20
